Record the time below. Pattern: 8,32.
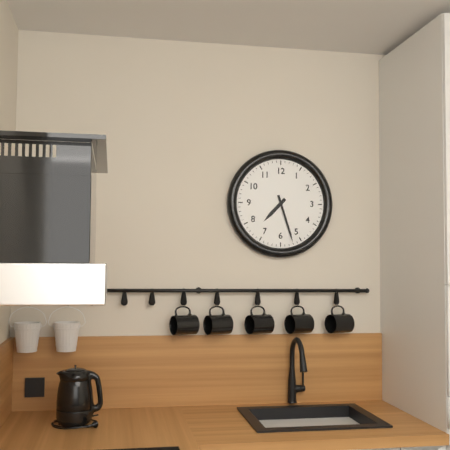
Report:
7,27
